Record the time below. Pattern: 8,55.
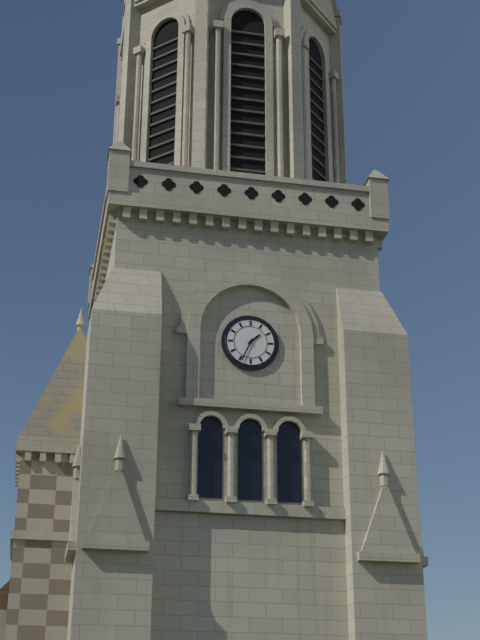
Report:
1,34
